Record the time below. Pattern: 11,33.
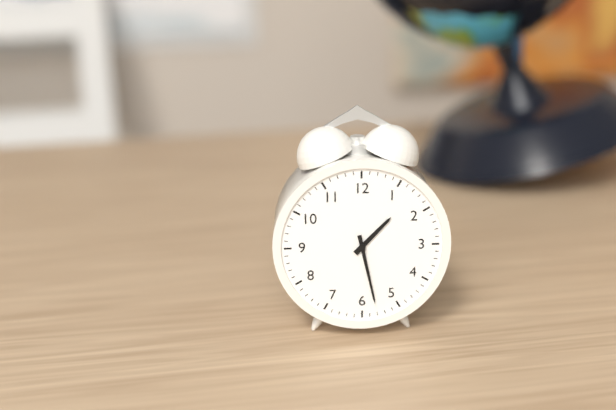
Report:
1,28
